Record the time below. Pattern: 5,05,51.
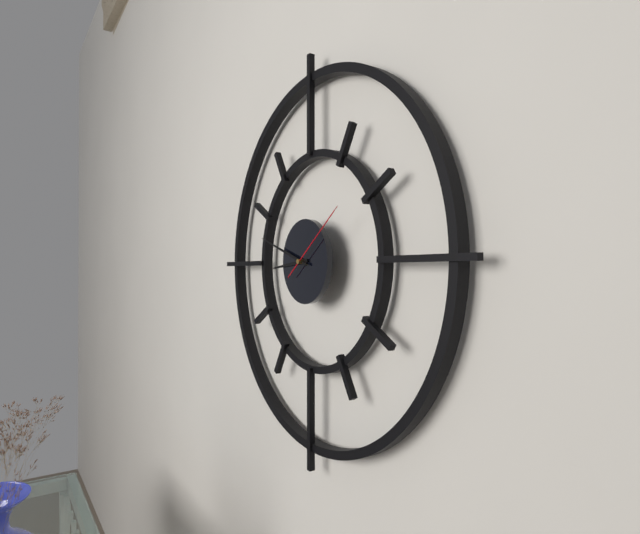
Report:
8,48,09
